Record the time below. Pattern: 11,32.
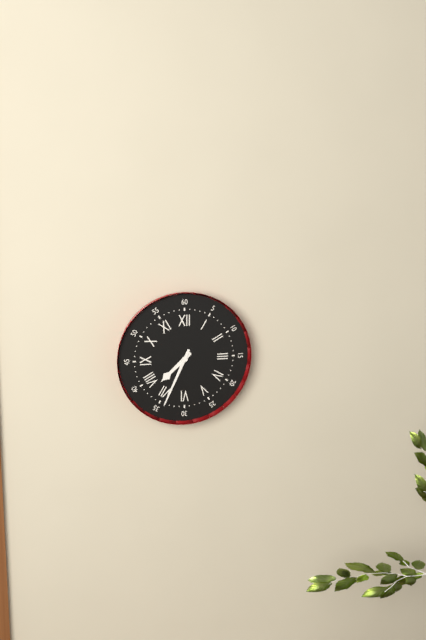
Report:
7,34
